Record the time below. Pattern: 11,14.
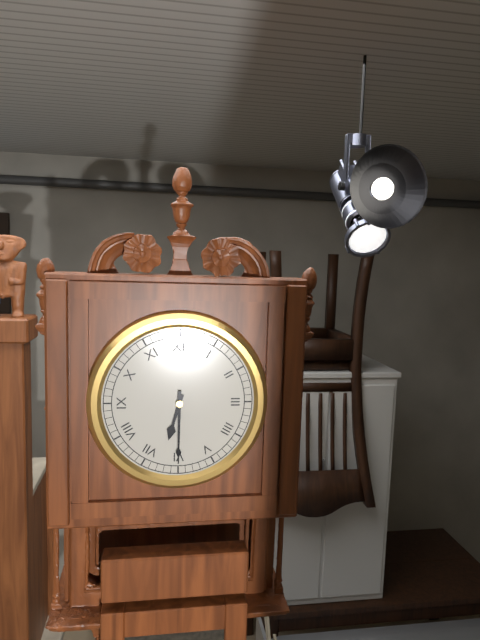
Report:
6,30
